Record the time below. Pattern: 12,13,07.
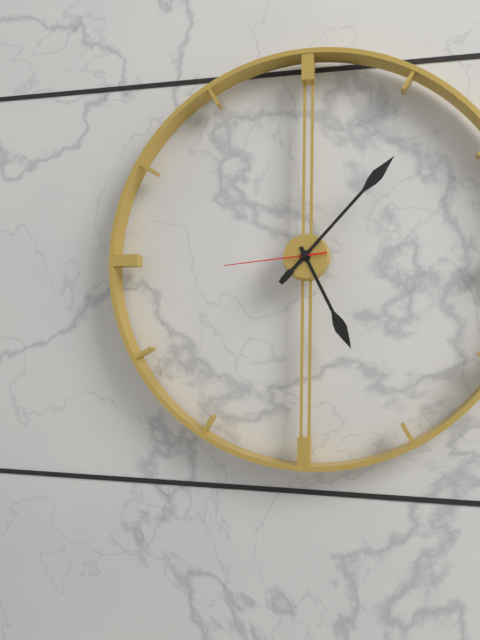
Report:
5,07,44
